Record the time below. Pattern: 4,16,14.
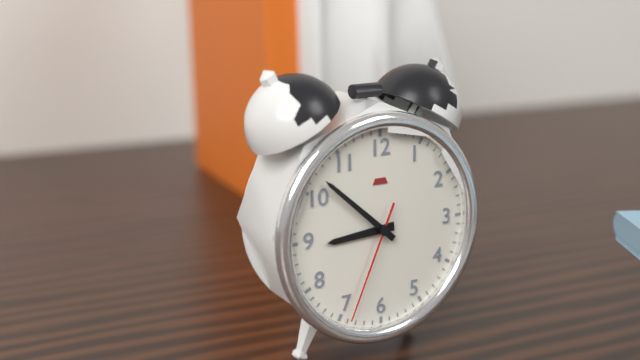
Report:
8,52,34
